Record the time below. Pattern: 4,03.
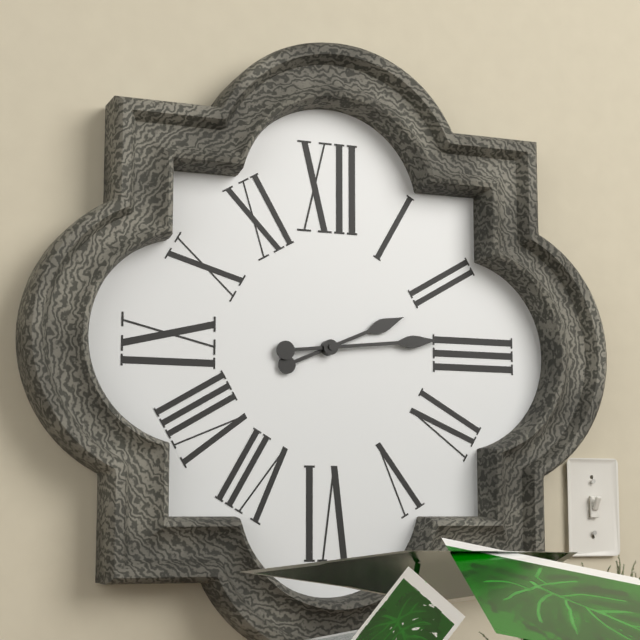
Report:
2,14
